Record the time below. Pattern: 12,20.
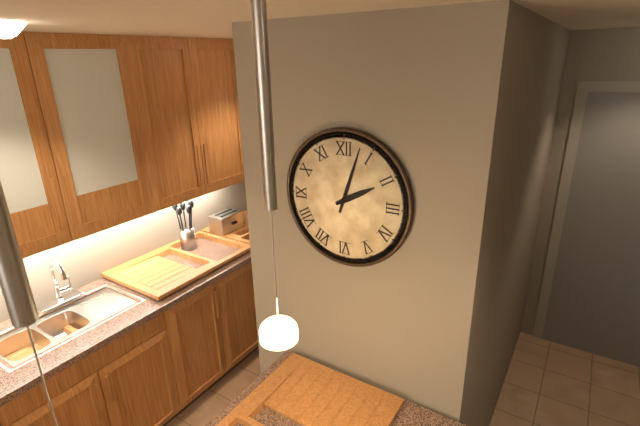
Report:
2,03
